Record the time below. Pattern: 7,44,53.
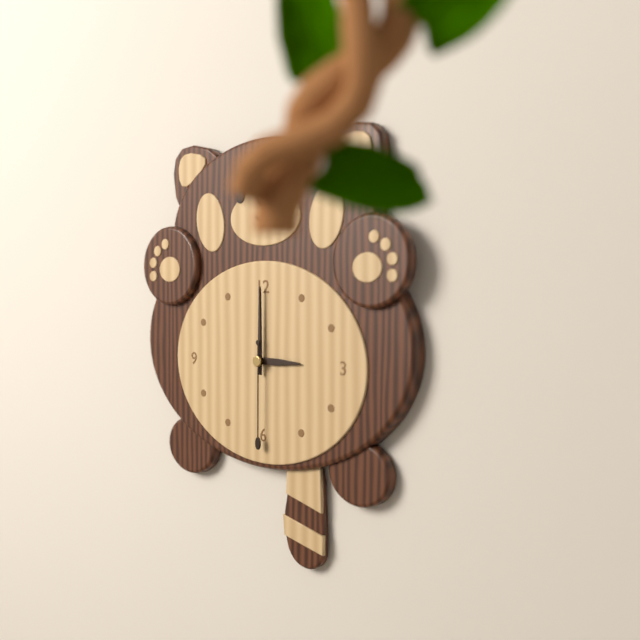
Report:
3,00,30
